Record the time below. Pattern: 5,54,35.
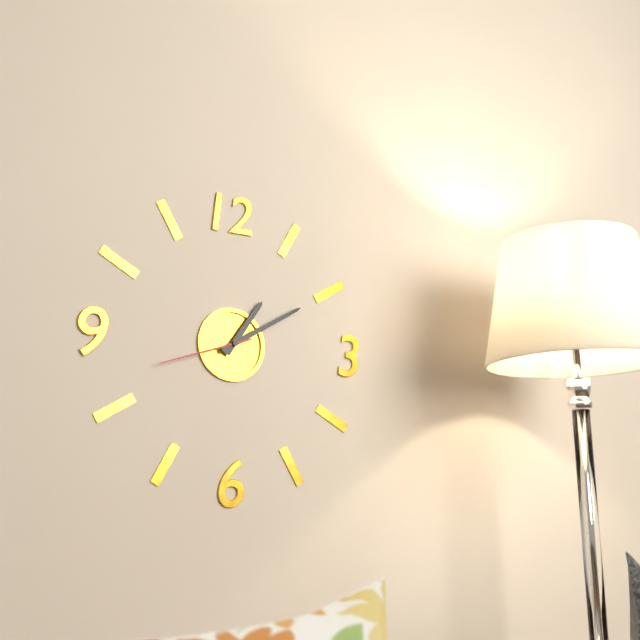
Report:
1,10,42
